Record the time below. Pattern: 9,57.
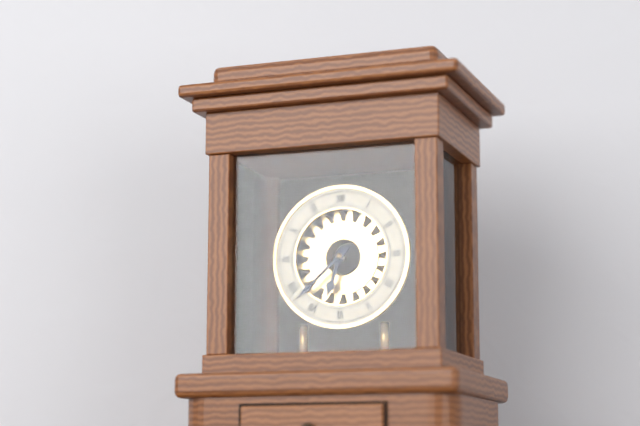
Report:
6,38
